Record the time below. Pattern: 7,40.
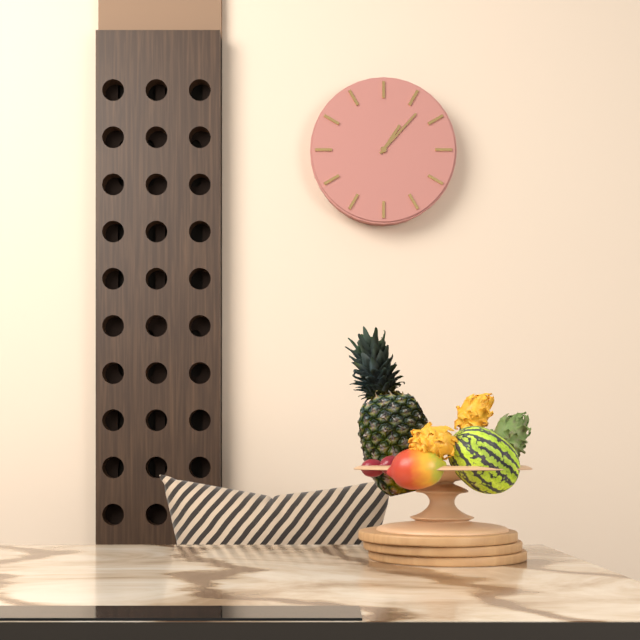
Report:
1,07
